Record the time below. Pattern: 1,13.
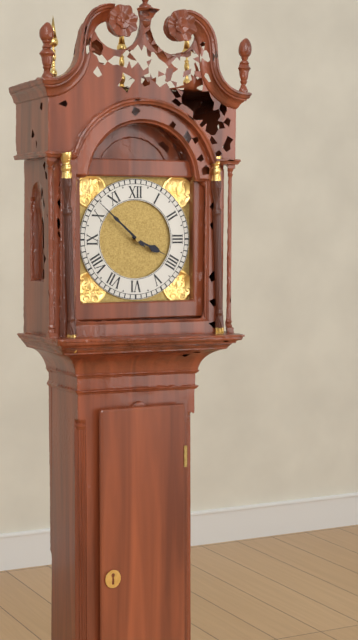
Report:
3,52
